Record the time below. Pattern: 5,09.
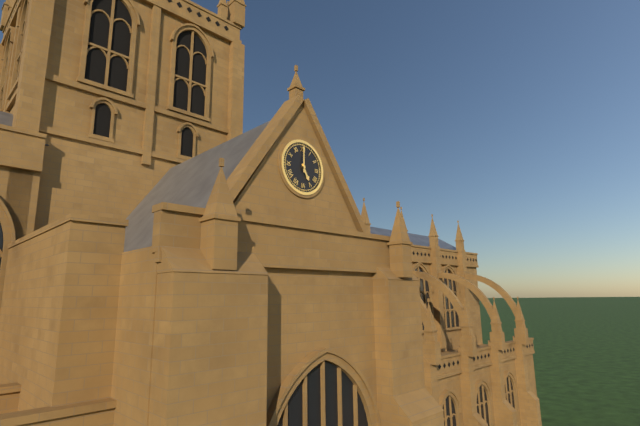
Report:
5,00
